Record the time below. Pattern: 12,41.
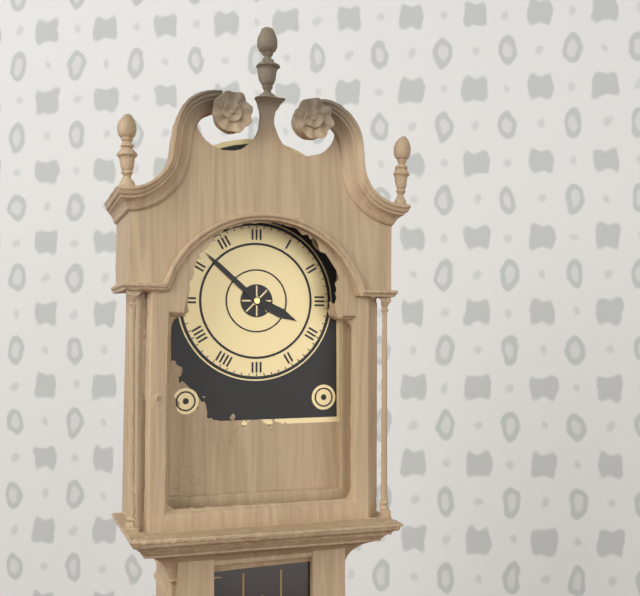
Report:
3,52
